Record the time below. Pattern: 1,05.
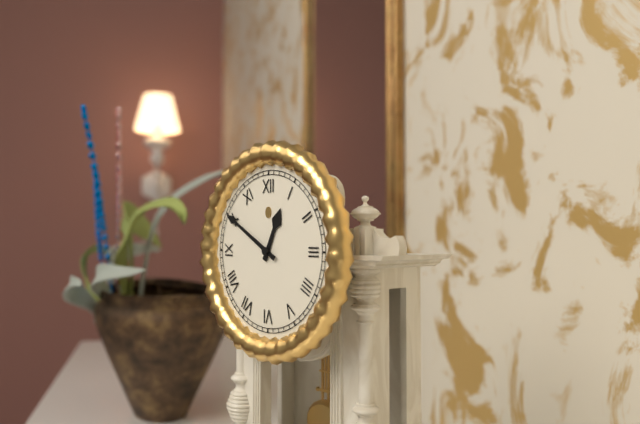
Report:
12,50
